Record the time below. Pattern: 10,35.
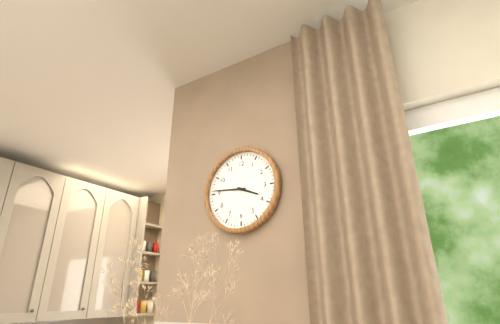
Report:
3,46
